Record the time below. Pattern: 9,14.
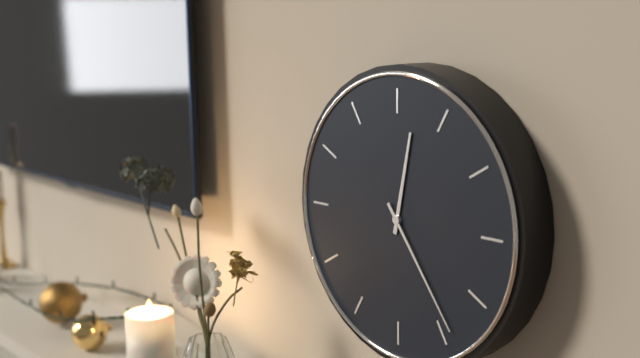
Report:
12,24
